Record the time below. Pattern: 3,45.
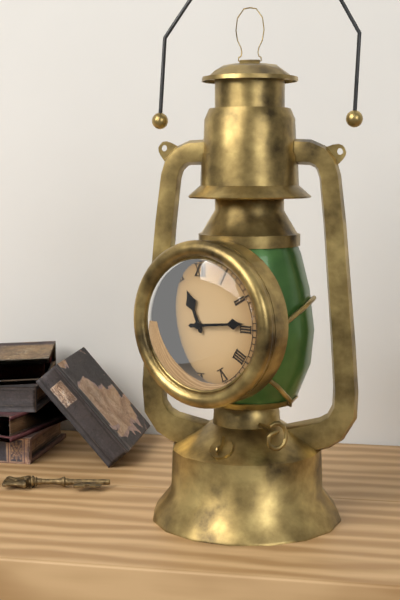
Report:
11,14
